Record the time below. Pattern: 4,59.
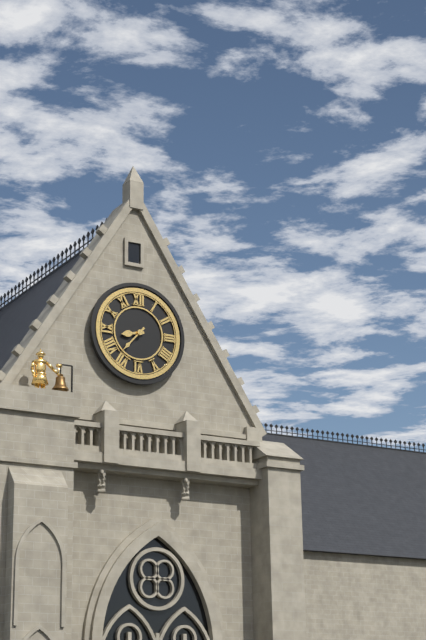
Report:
8,37
